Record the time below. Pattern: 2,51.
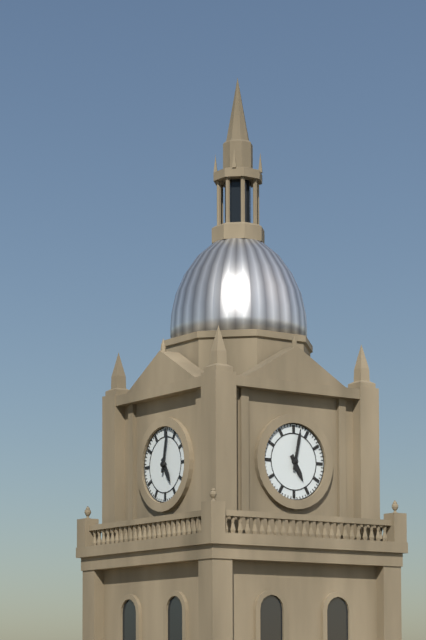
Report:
5,02
